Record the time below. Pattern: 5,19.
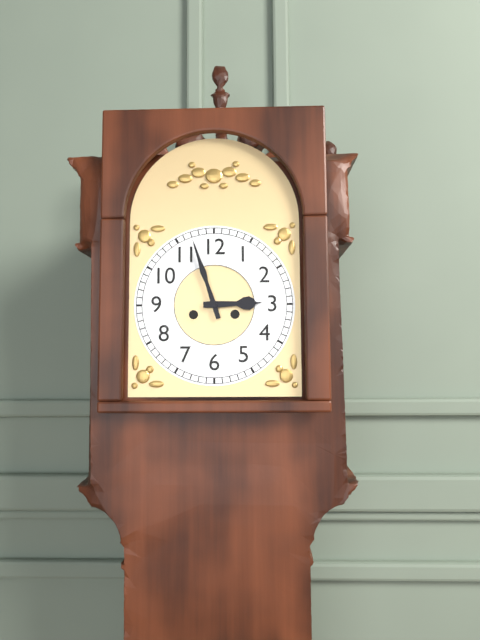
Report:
2,57
